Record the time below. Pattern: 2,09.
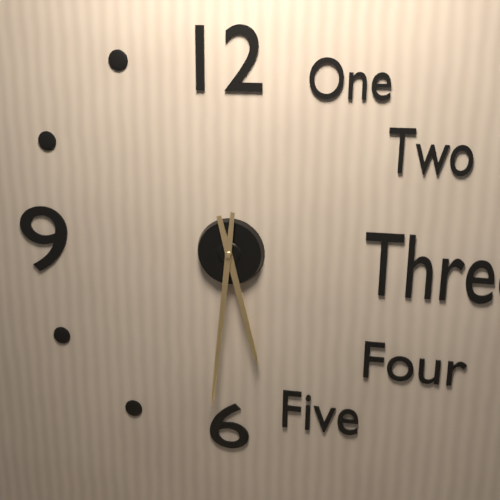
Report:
5,31
